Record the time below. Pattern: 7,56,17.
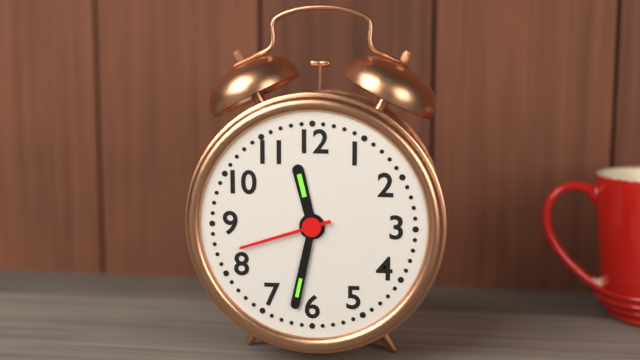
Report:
11,32,42
